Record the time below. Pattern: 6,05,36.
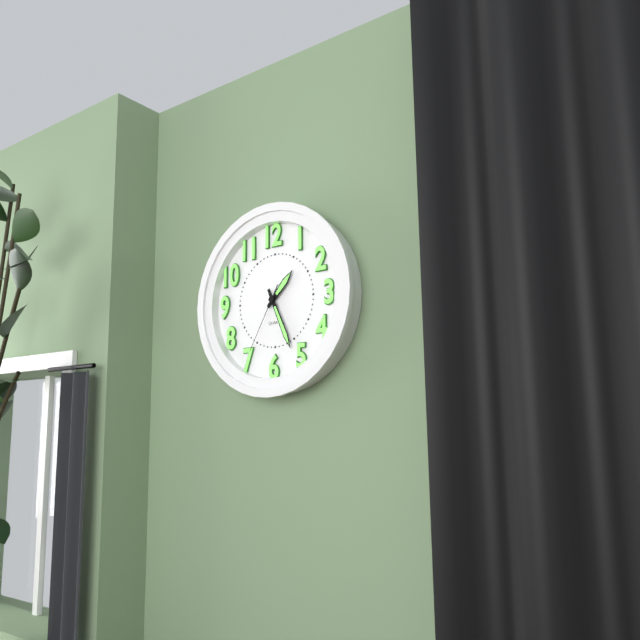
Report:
1,26,35
